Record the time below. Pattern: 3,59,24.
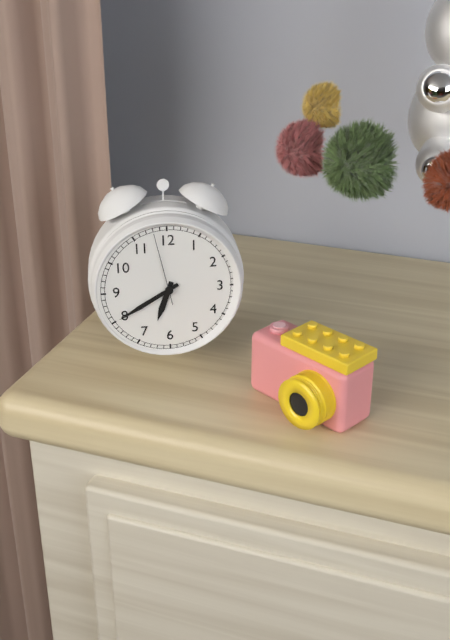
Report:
6,40,58
